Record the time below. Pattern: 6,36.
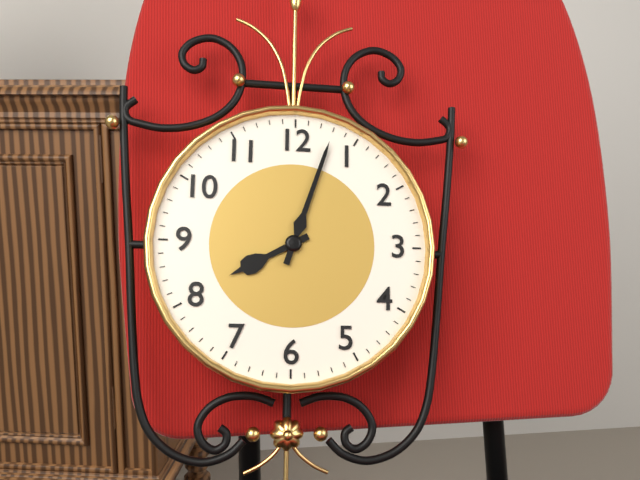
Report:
8,03
